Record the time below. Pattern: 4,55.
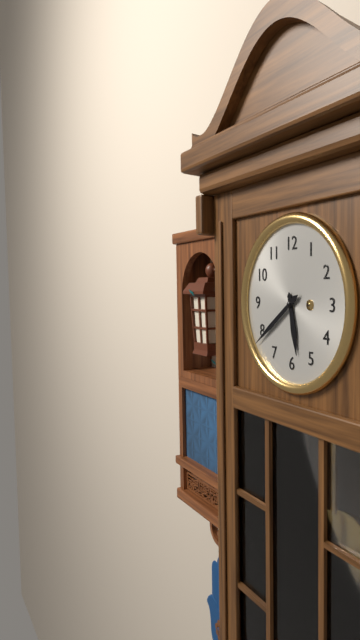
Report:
5,39
